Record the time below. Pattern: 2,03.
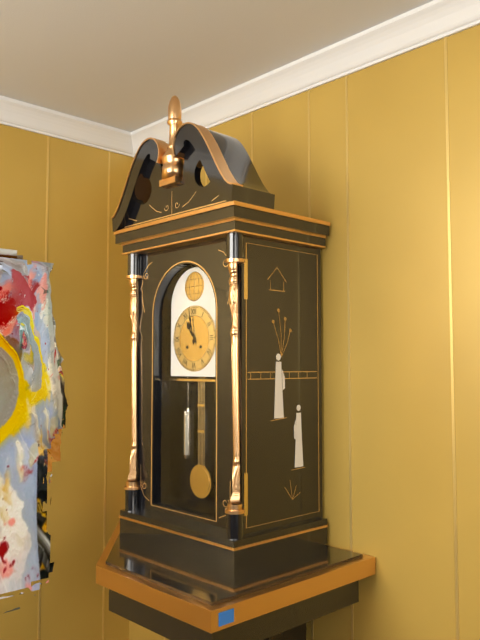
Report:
10,58
